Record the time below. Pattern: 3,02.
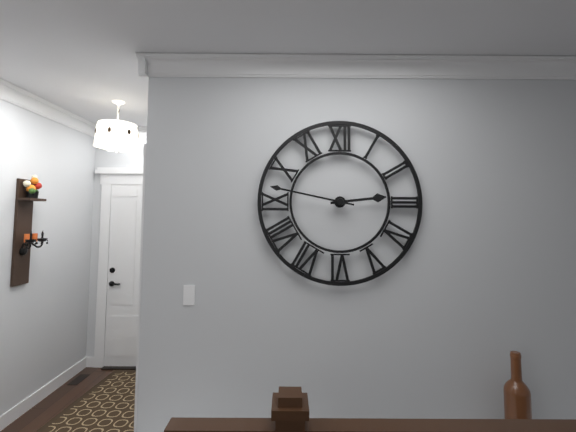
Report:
2,47
